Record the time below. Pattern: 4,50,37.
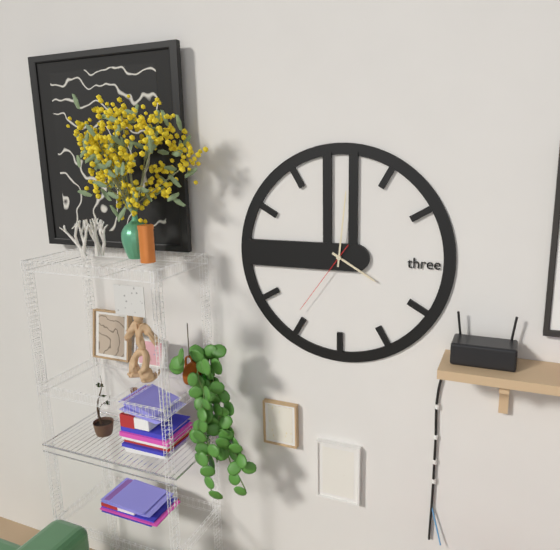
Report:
4,01,36
